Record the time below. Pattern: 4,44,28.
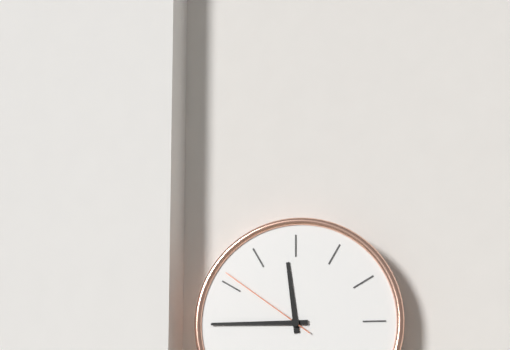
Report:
11,45,51
